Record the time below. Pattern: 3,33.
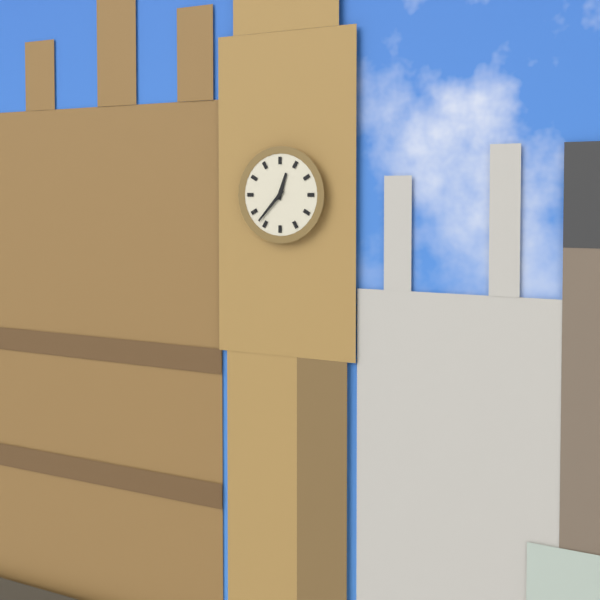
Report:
12,37
